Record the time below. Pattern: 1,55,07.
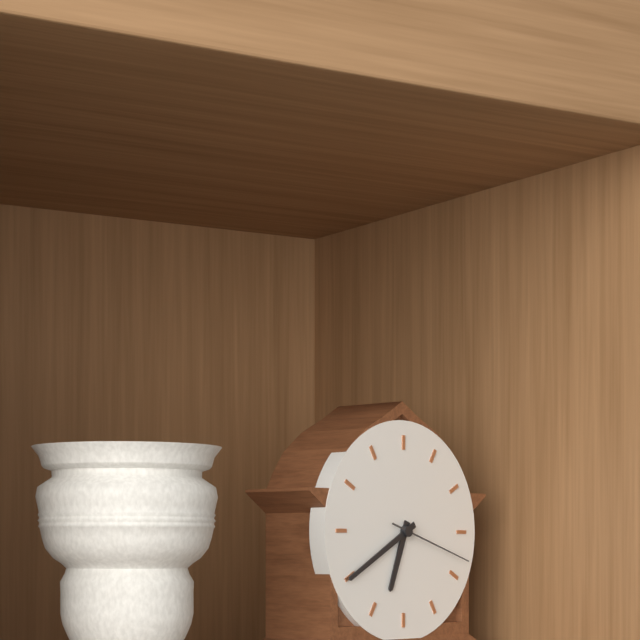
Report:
6,40,18
